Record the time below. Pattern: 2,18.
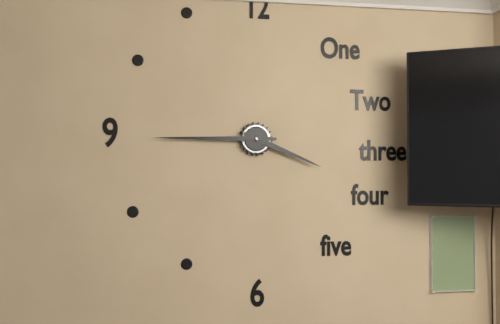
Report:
3,45
